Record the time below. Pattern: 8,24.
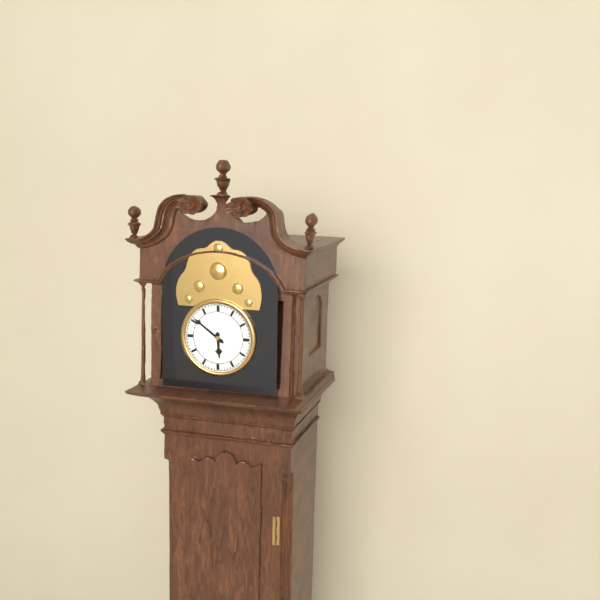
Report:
5,51
